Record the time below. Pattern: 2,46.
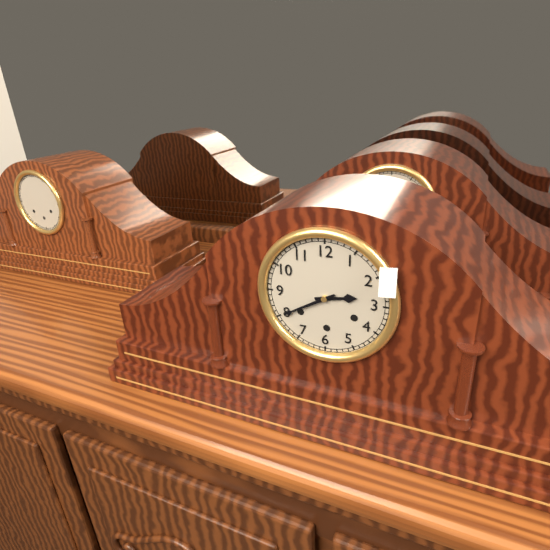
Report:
2,40
